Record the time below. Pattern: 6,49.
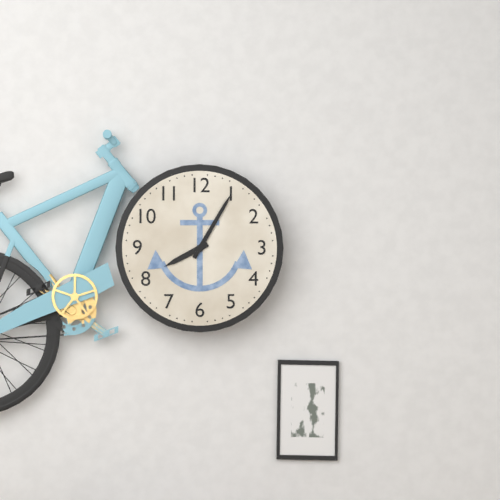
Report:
8,05
